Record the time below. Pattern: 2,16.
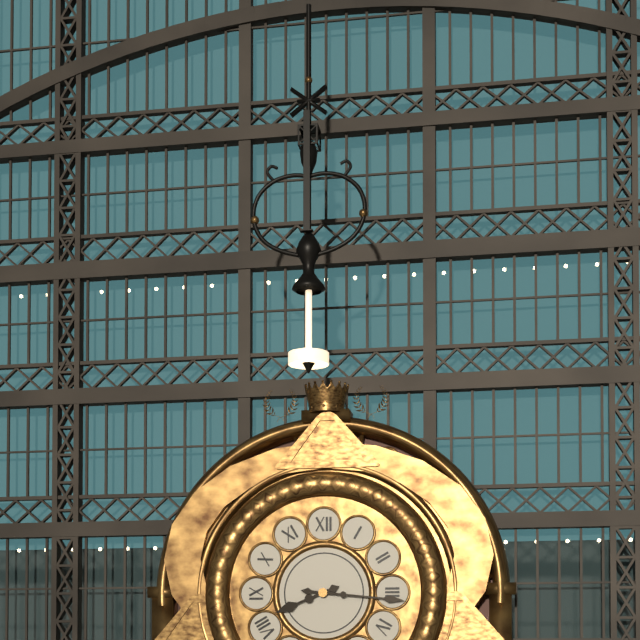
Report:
8,16
